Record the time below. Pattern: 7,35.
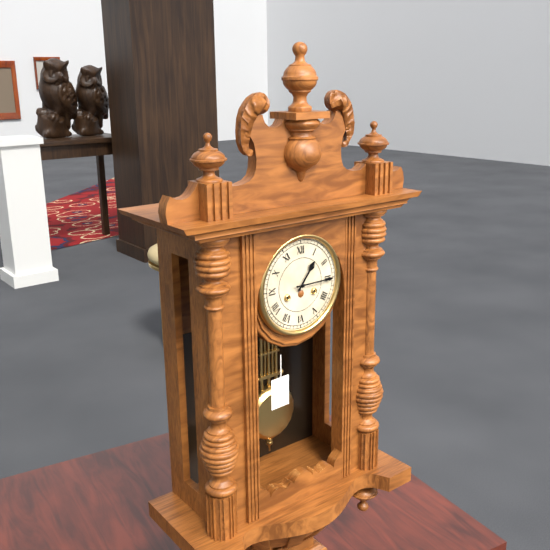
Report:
1,15
